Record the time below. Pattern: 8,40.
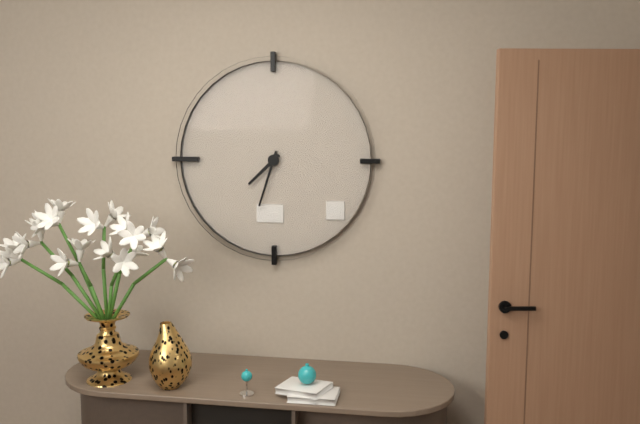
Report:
7,33
